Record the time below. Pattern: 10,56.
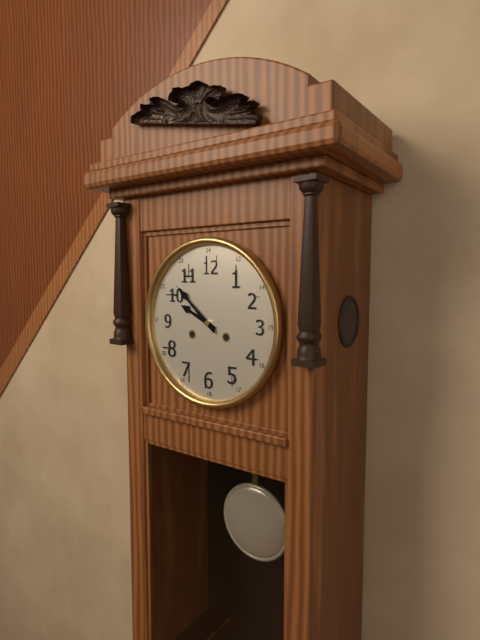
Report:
9,52
